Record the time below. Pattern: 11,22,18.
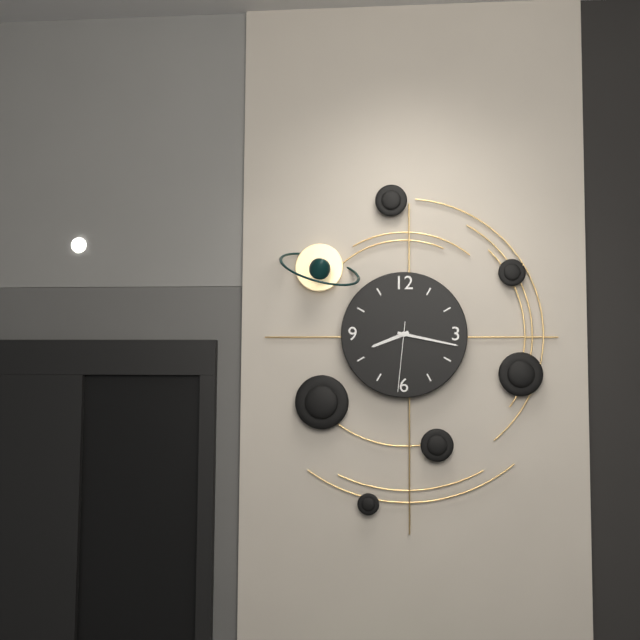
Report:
8,17,31
